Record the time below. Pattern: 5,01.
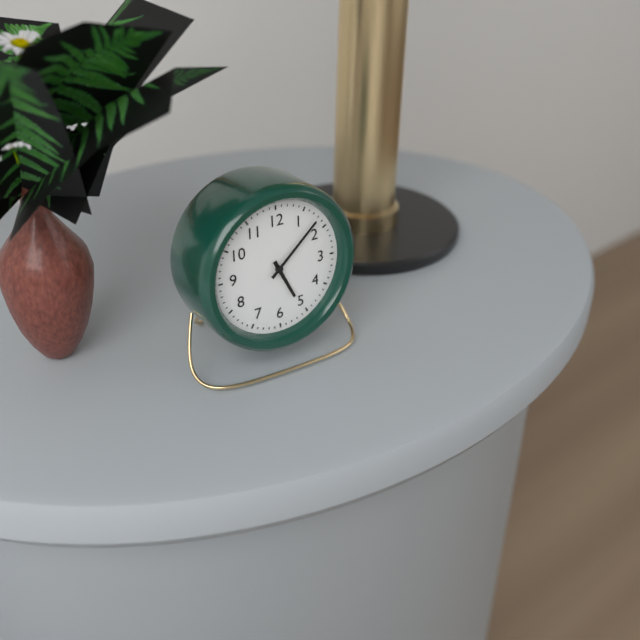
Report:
5,08
